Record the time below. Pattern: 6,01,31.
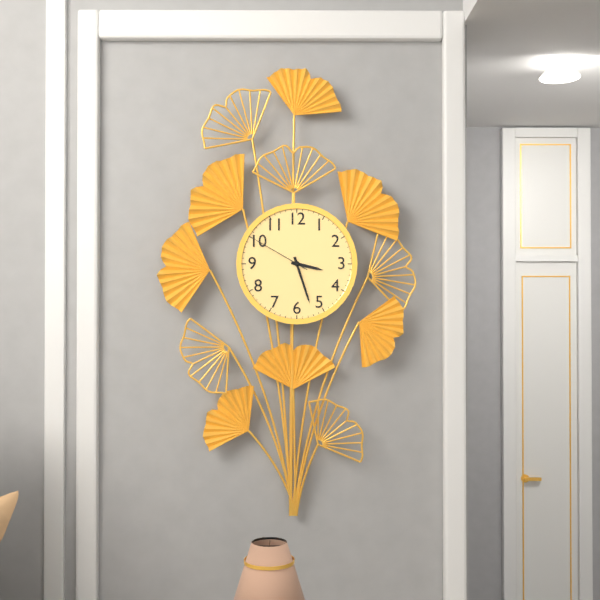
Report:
3,27,50
